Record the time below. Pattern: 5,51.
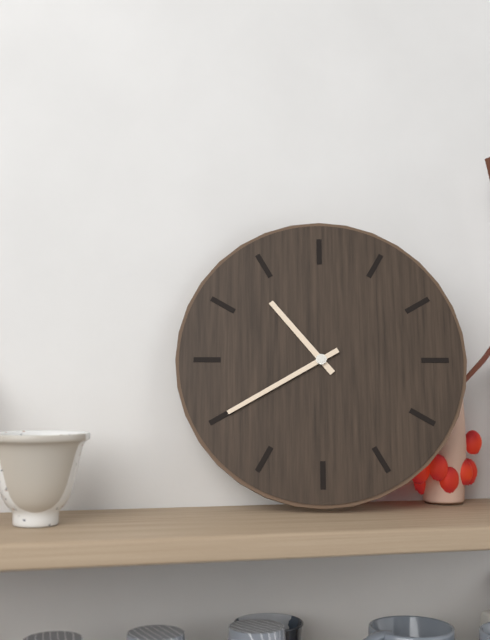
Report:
10,40
